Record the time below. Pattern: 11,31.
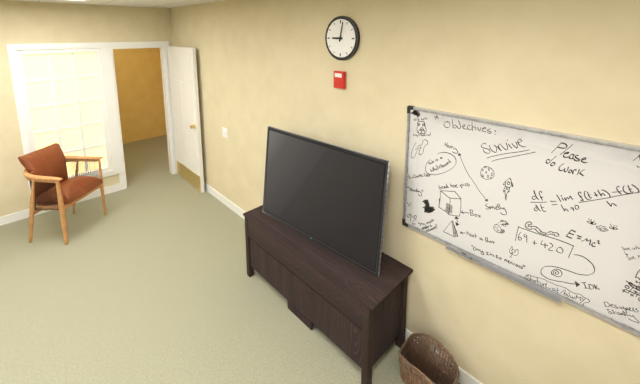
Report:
9,02
